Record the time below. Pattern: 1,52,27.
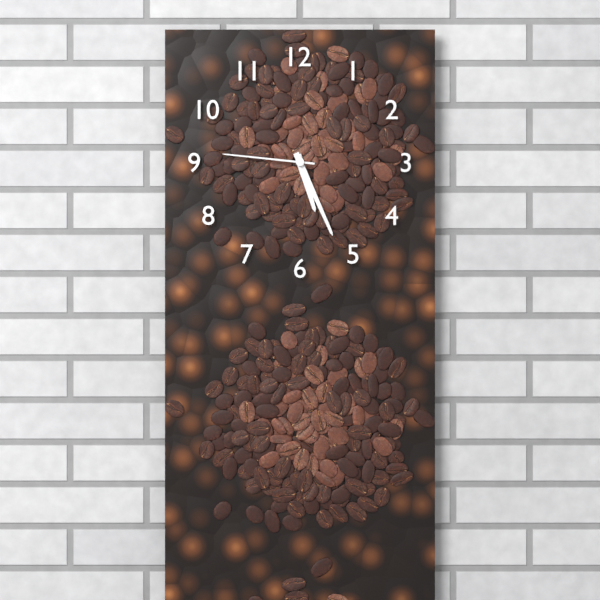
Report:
5,26,46
